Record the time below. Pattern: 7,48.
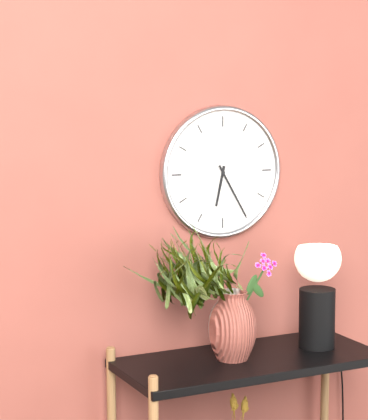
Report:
6,25
